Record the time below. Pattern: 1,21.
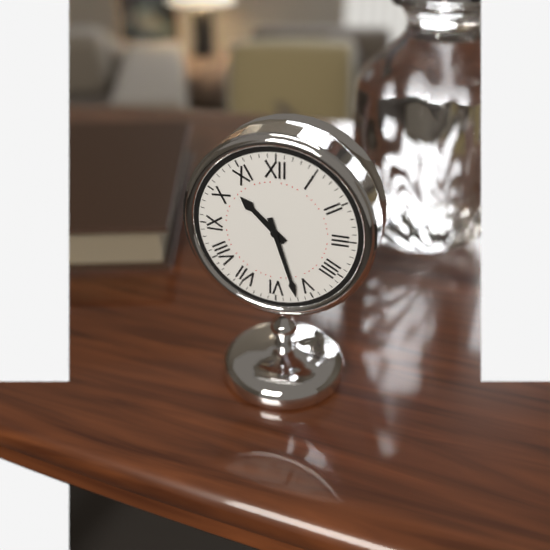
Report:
10,27
